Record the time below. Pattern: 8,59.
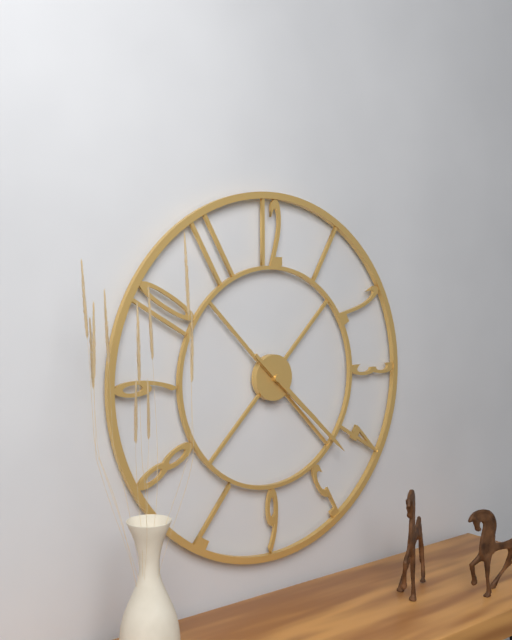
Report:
4,22
